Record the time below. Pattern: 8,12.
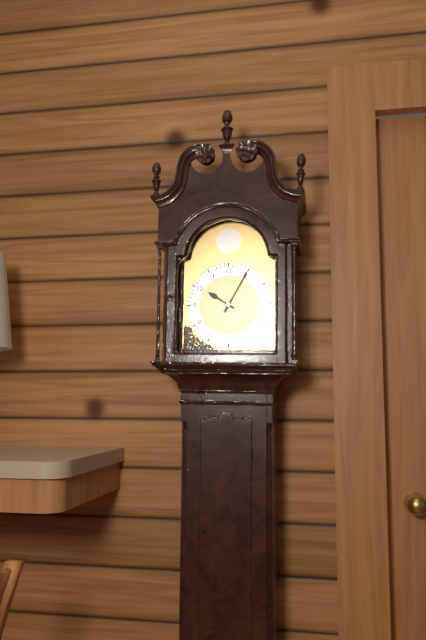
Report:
10,05
